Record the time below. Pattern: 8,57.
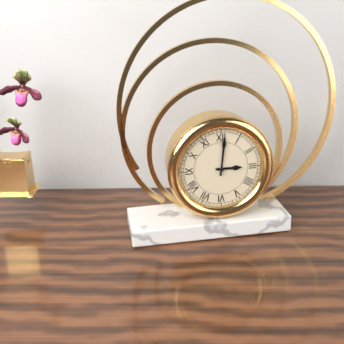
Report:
3,01
